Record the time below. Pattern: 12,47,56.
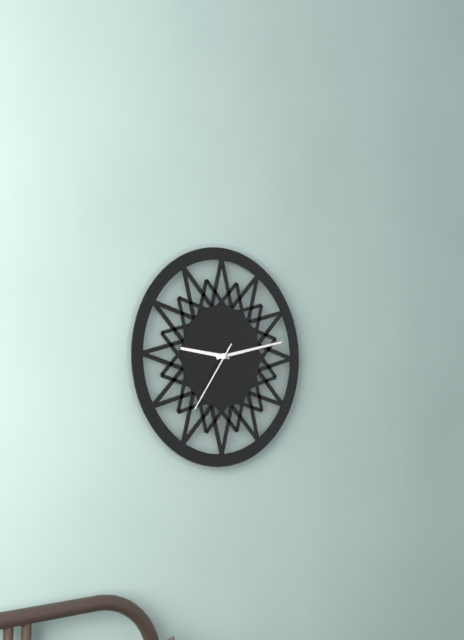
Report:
9,13,36
